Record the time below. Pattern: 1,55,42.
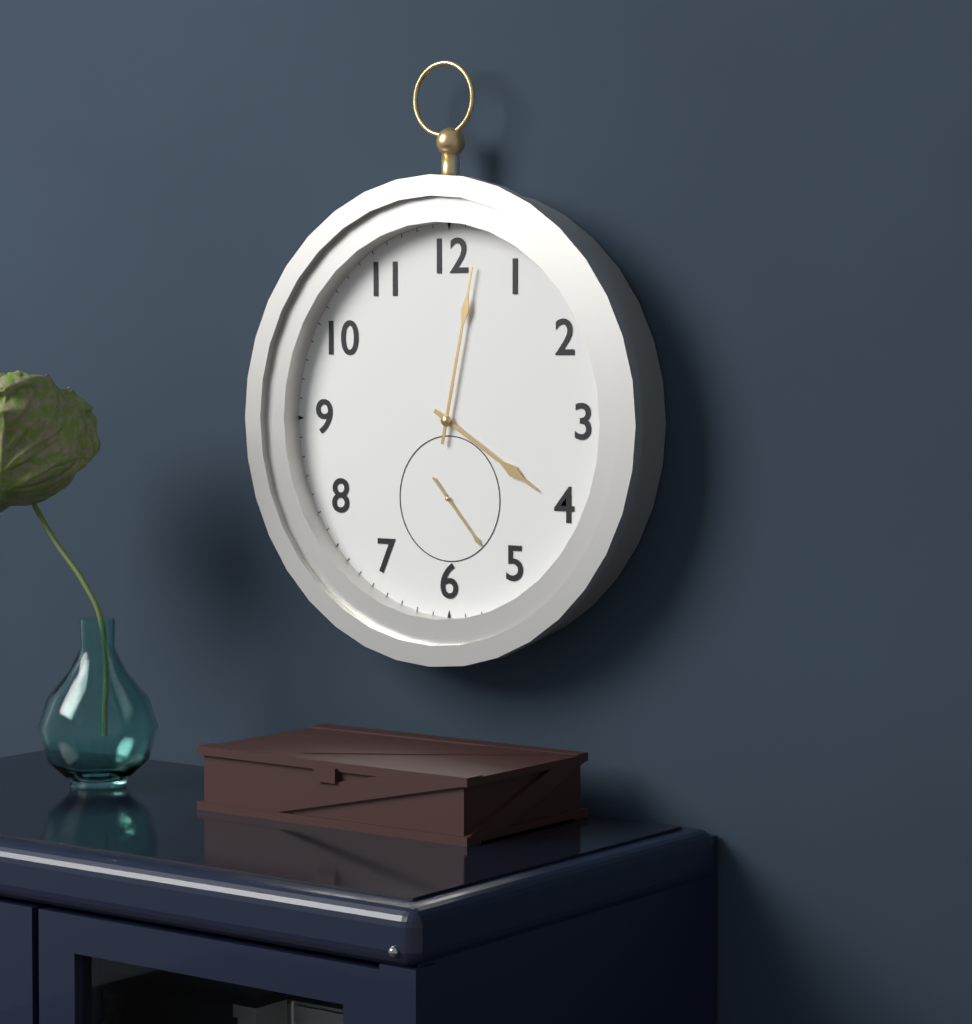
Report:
4,02,23
